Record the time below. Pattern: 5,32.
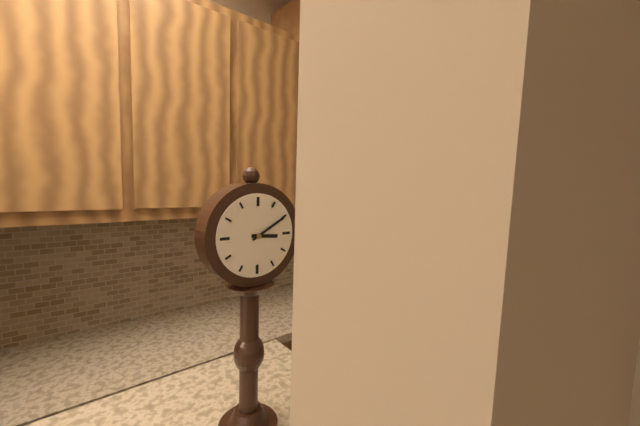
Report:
3,10
